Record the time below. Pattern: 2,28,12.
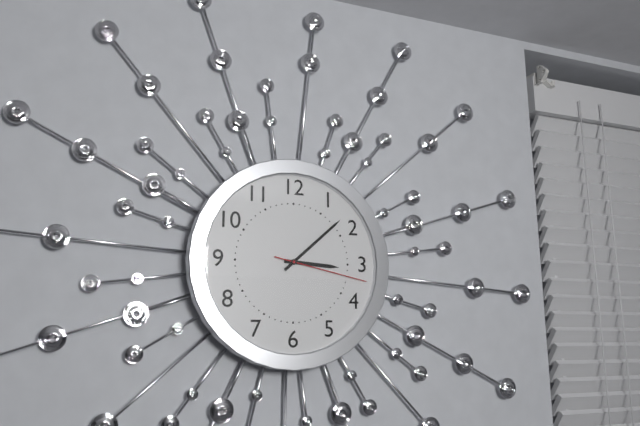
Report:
3,08,17
